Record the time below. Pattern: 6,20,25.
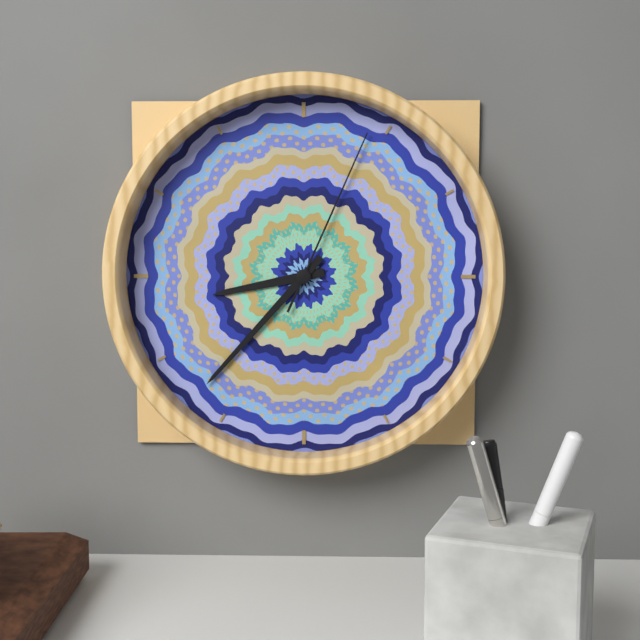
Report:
8,37,04
